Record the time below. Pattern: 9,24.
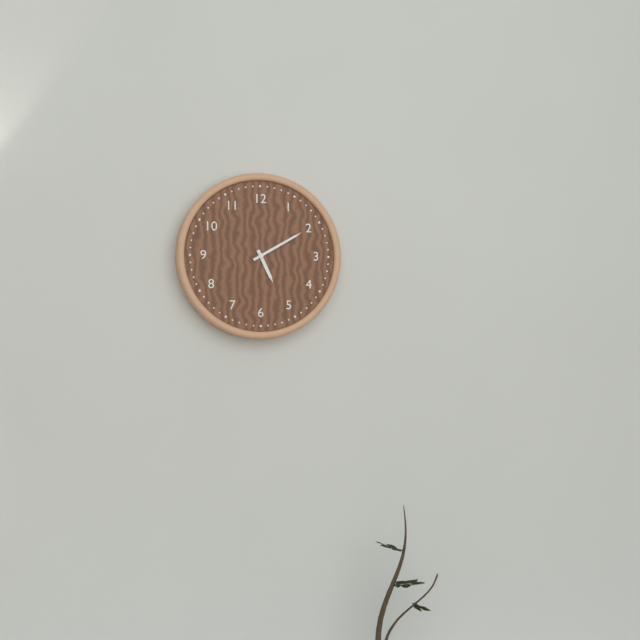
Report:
5,10
